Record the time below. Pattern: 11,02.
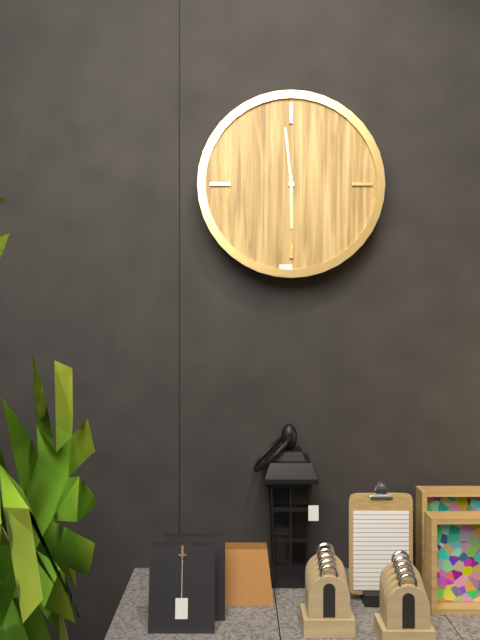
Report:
5,59
